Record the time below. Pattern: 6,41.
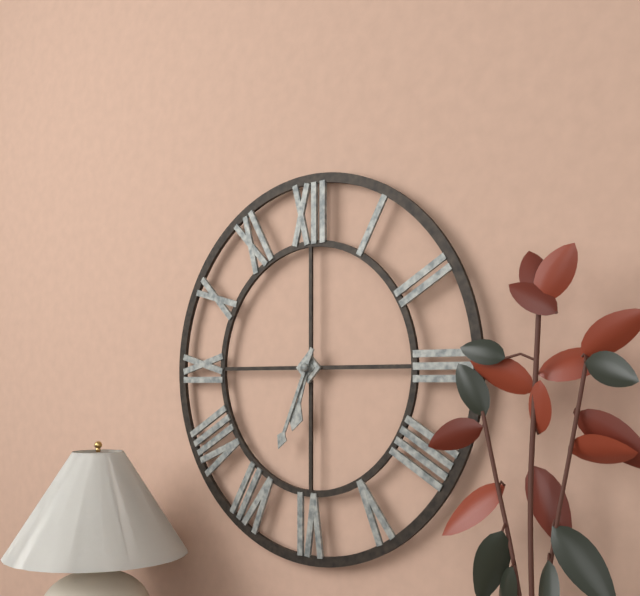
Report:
6,34
